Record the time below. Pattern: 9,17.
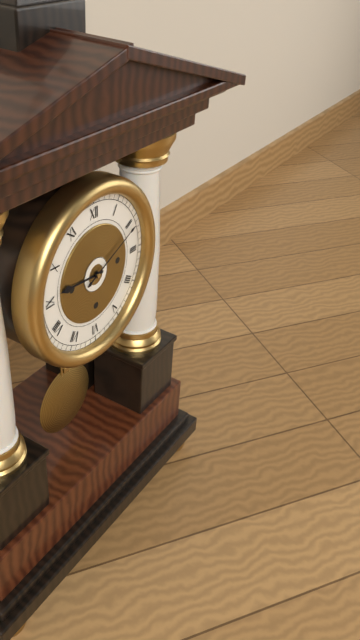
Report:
9,11
